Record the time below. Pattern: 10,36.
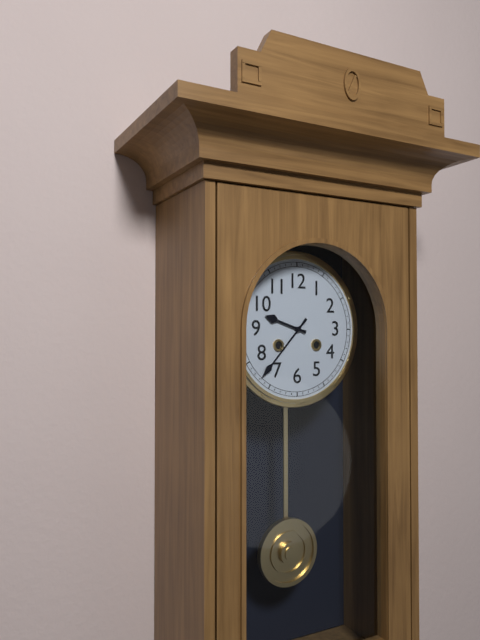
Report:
9,37
